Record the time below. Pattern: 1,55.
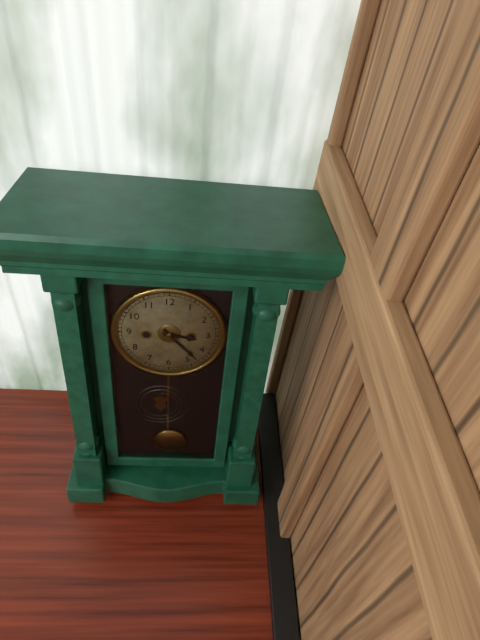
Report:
3,23
